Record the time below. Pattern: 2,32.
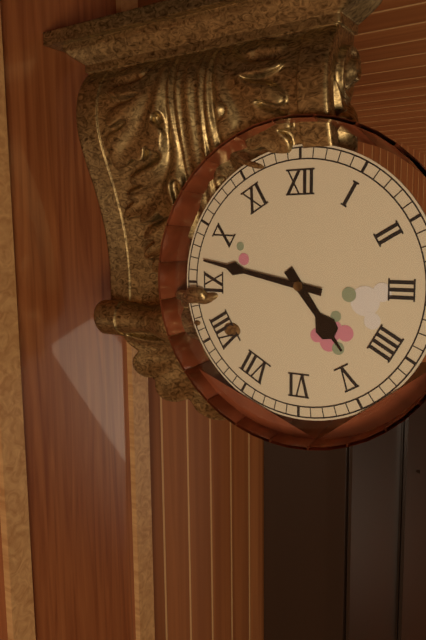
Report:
4,47
